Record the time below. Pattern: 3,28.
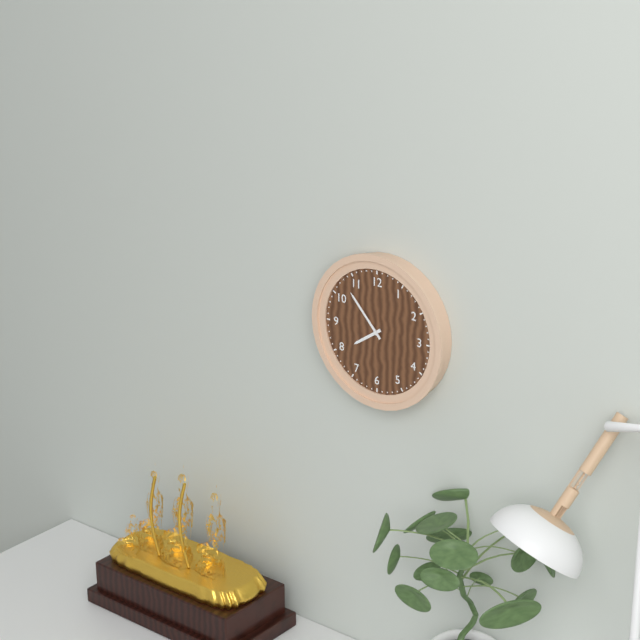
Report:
7,53
